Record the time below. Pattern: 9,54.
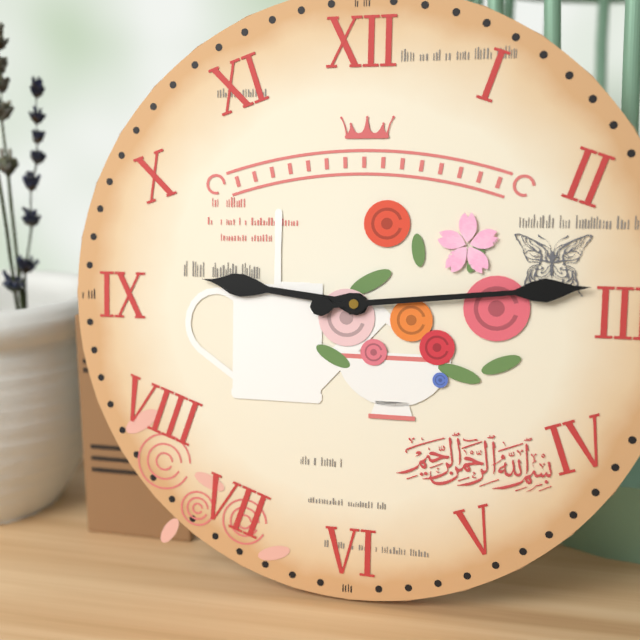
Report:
9,14
